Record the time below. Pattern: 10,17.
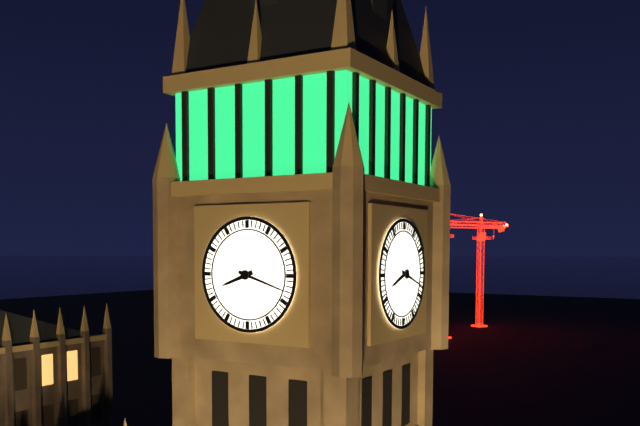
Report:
8,18
